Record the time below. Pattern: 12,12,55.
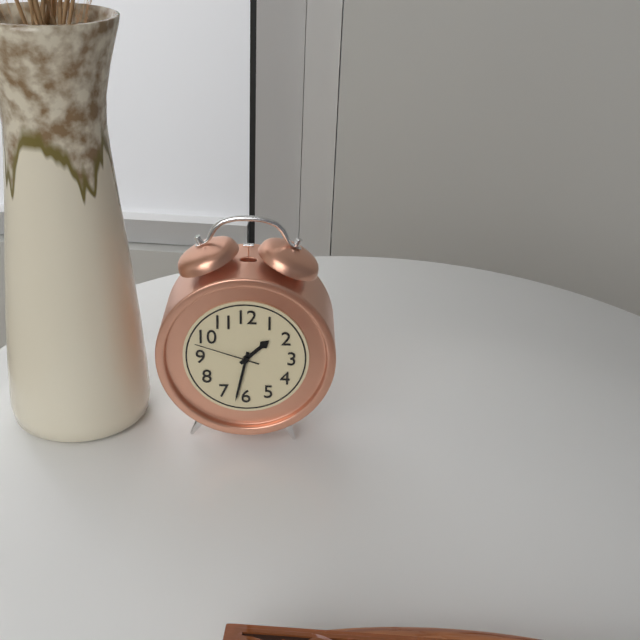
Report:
1,32,48
